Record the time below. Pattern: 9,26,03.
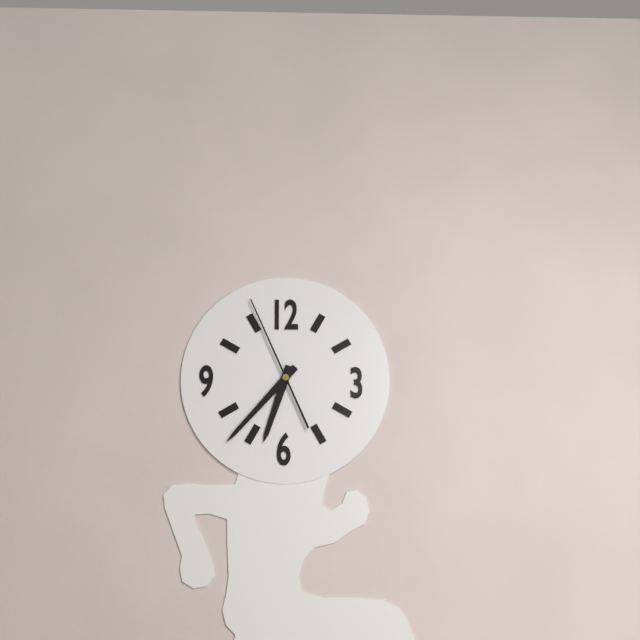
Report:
6,37,56
